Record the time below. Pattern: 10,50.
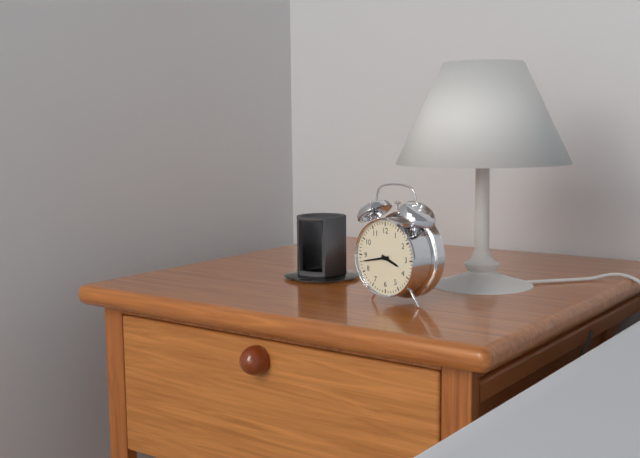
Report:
3,43
